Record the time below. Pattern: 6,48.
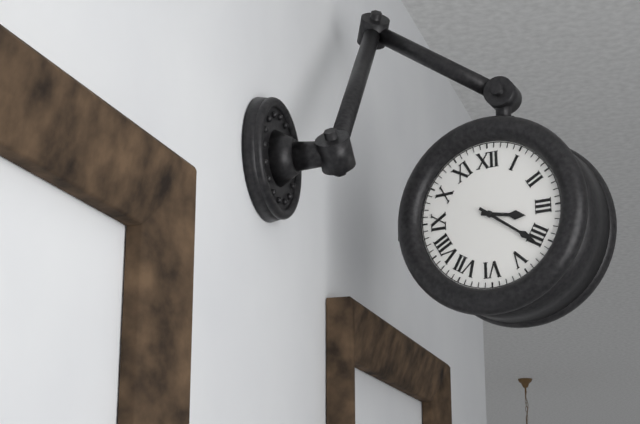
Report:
3,21
